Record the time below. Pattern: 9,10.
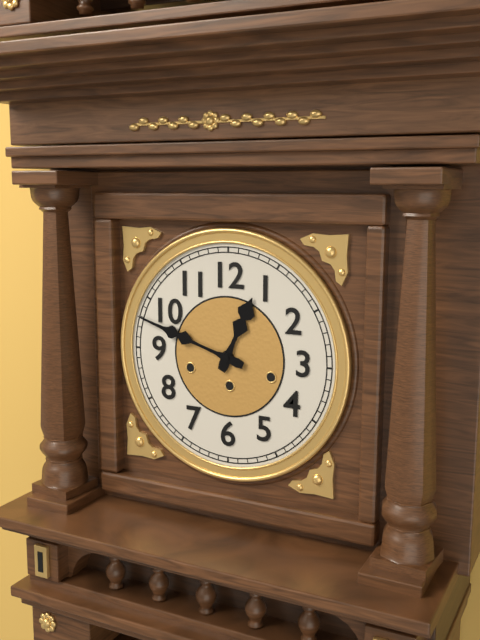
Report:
12,48
